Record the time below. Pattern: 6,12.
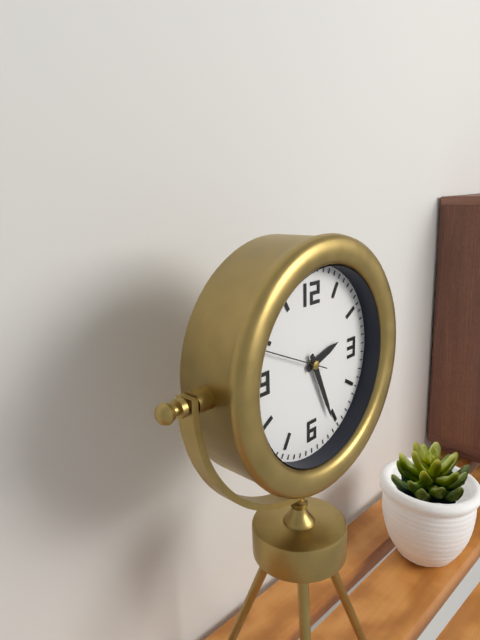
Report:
2,26
